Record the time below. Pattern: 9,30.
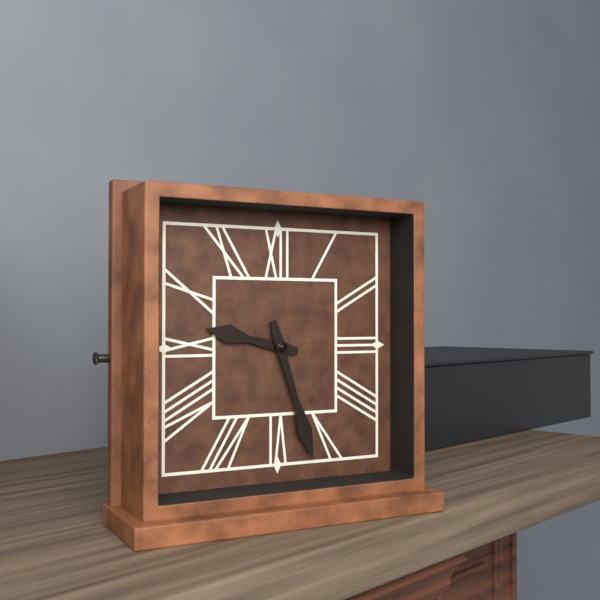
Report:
9,27
